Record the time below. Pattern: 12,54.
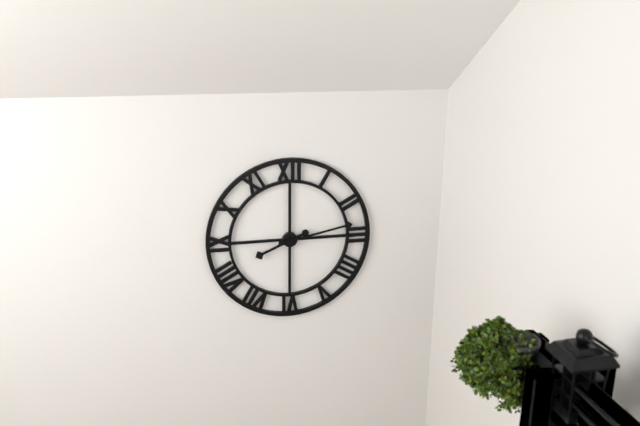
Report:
8,13
